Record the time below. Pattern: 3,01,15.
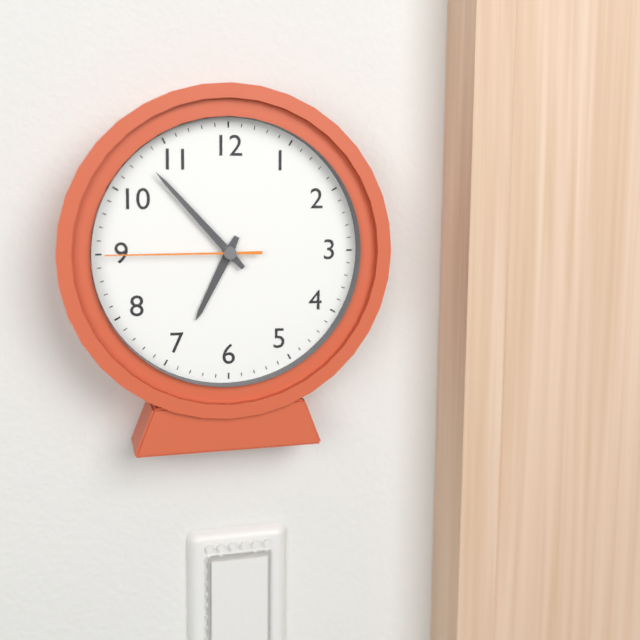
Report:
6,53,45
